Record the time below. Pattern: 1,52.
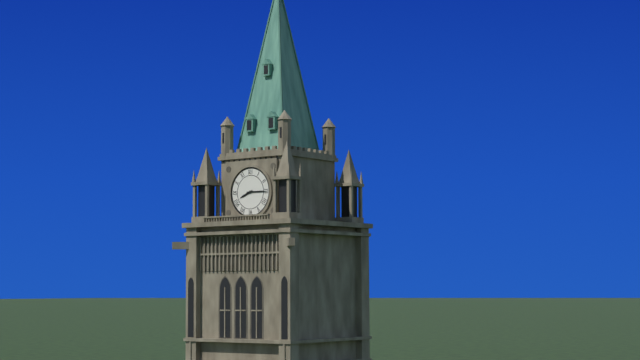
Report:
8,15
